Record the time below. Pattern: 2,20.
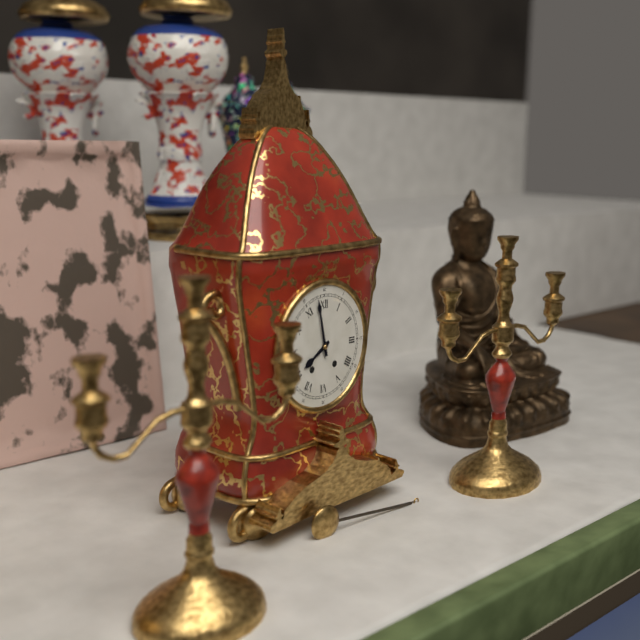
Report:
7,58
